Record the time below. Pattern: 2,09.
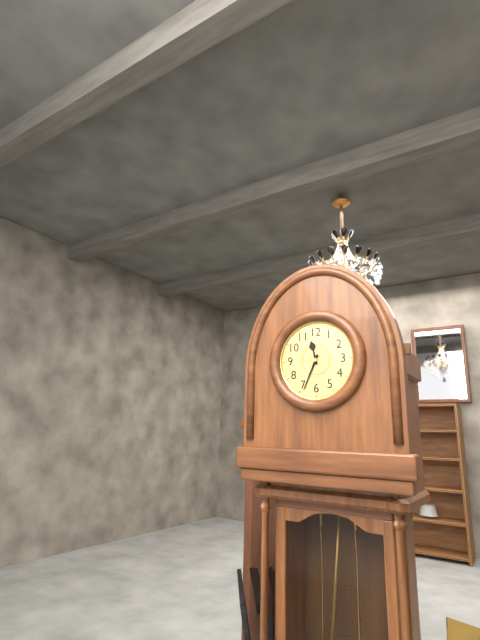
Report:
11,34
